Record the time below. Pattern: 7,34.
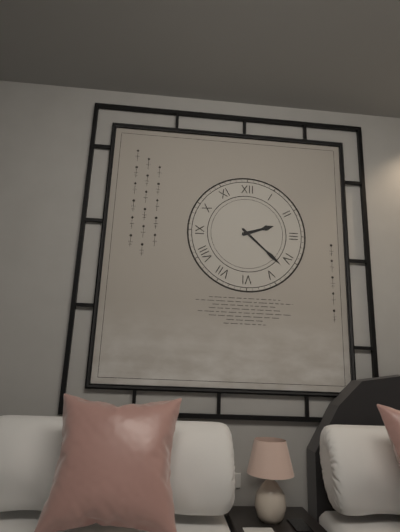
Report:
2,22
